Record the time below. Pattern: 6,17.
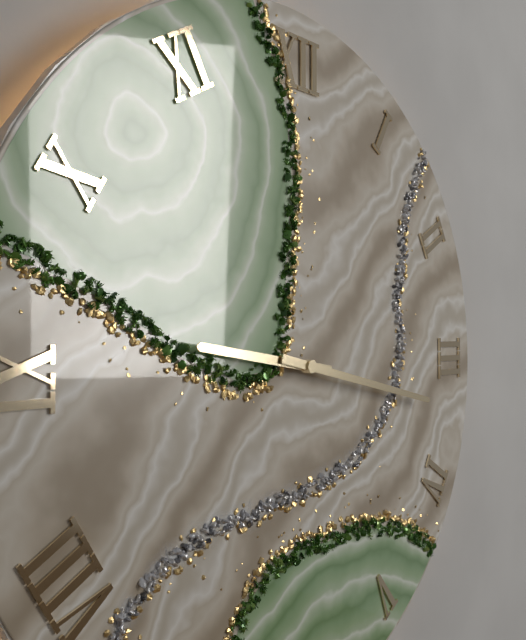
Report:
9,17
